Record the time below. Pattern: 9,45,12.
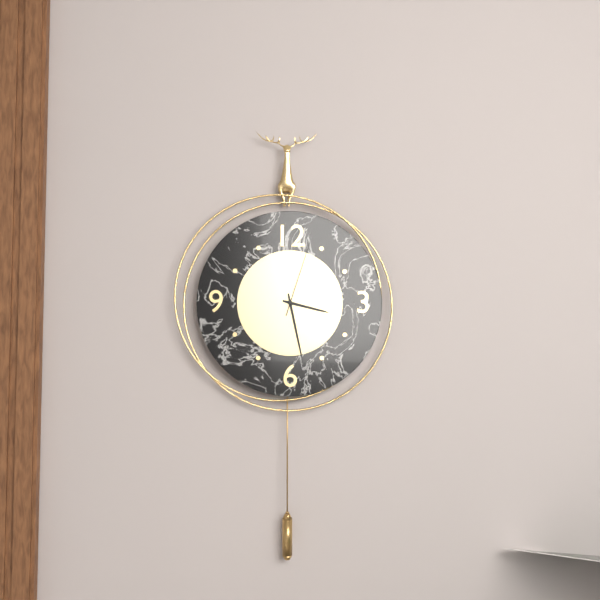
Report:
3,28,03
